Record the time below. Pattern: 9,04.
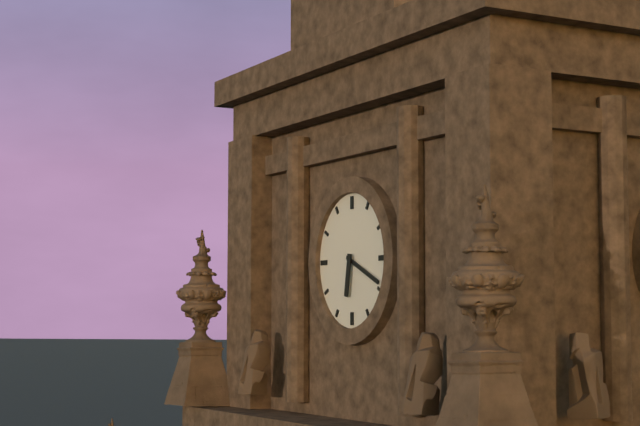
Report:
6,19
